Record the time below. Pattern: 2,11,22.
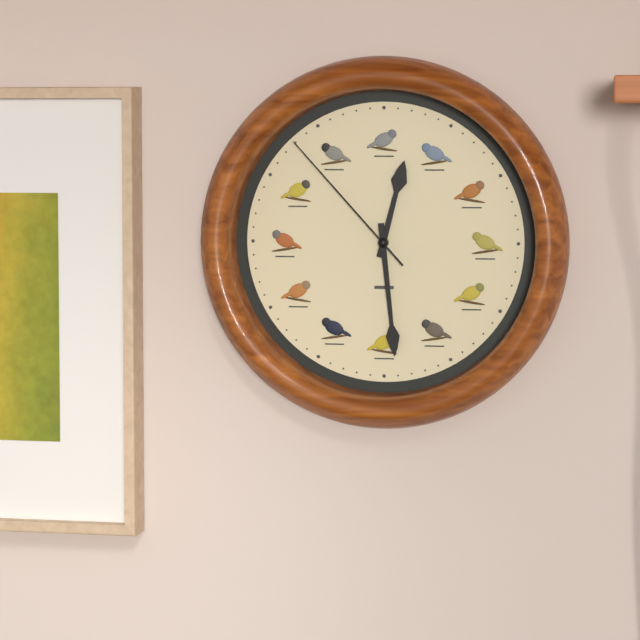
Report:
12,29,53
